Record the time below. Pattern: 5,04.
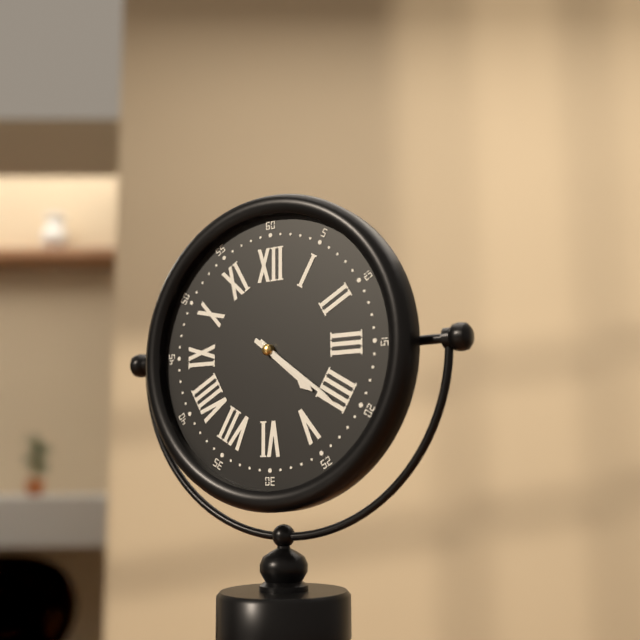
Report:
4,21
